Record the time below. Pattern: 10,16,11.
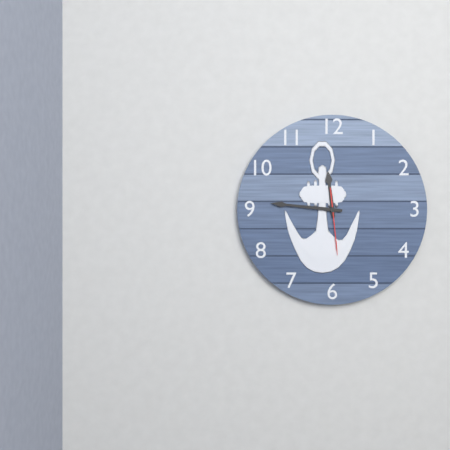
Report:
11,46,29
